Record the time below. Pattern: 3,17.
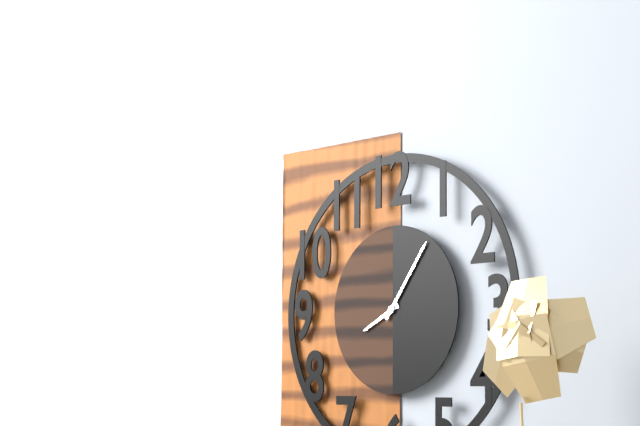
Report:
8,06
